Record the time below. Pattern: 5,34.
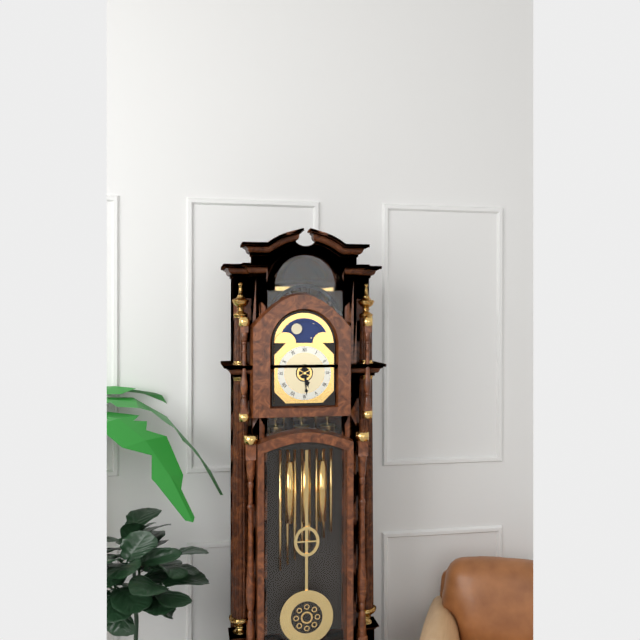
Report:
5,29
